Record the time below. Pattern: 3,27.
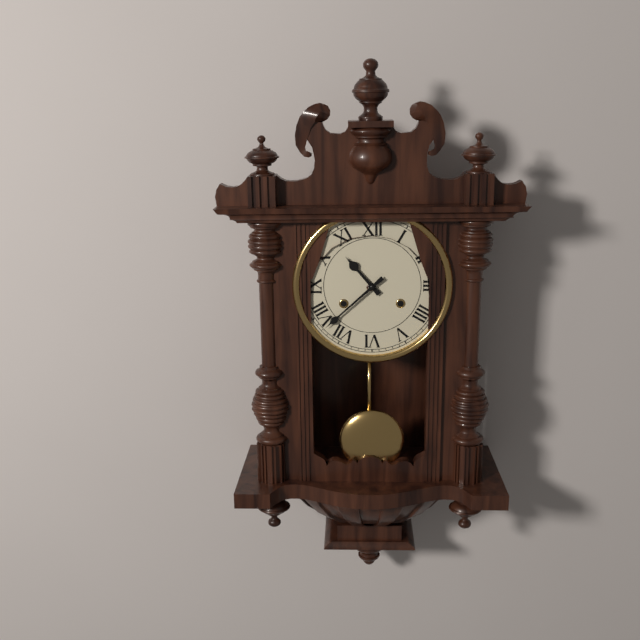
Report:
10,38
